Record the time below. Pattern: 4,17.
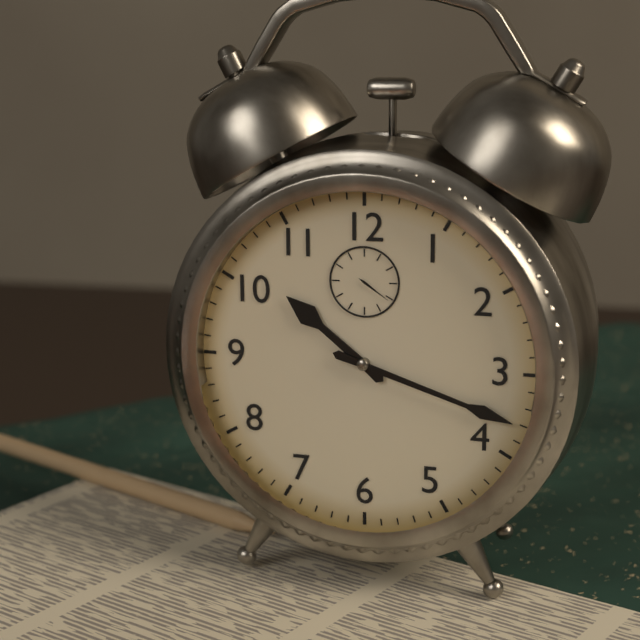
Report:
10,18
